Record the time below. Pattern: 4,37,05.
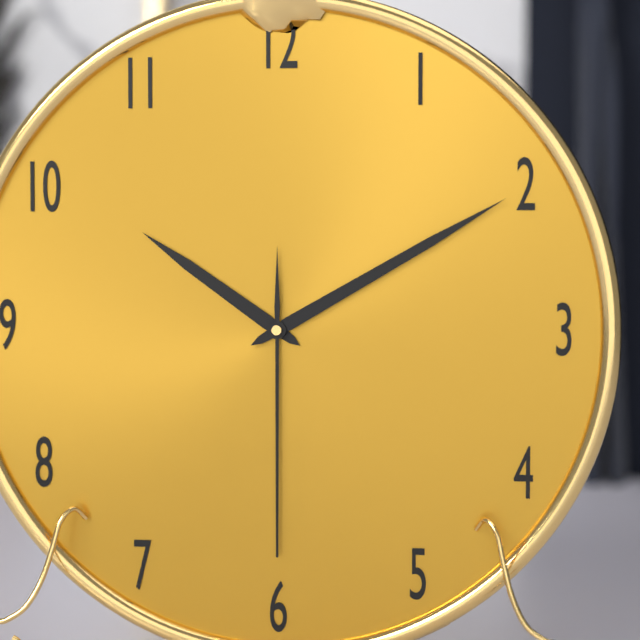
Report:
10,10,30
